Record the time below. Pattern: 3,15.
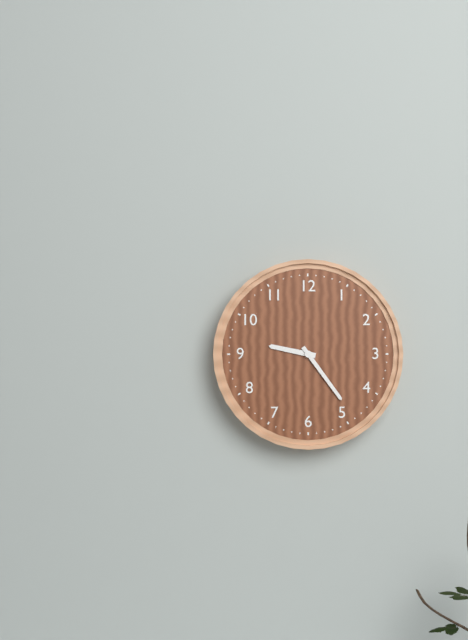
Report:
9,24
